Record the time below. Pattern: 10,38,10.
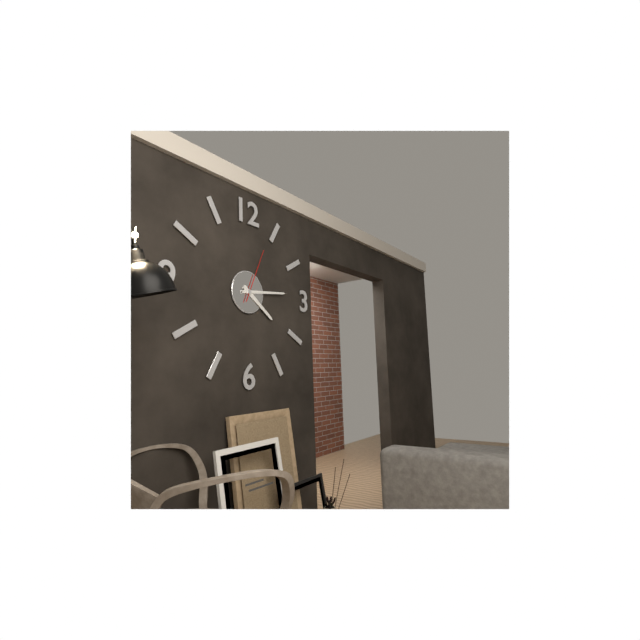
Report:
4,14,04
